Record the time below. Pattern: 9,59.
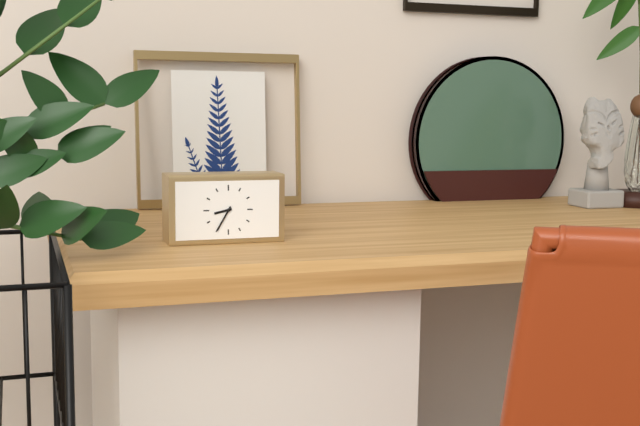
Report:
8,35
